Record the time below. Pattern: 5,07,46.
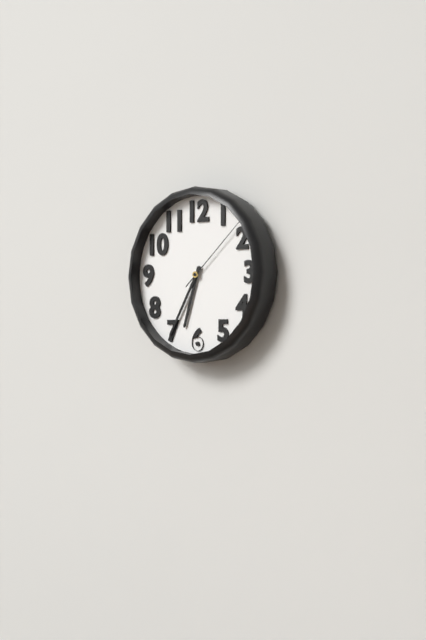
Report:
6,35,08
